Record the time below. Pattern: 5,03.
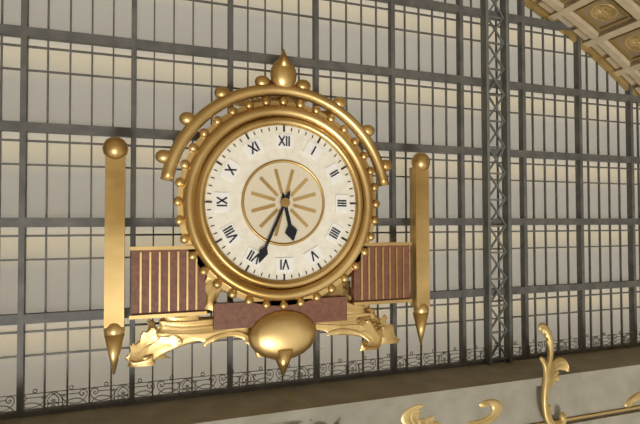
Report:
5,34
